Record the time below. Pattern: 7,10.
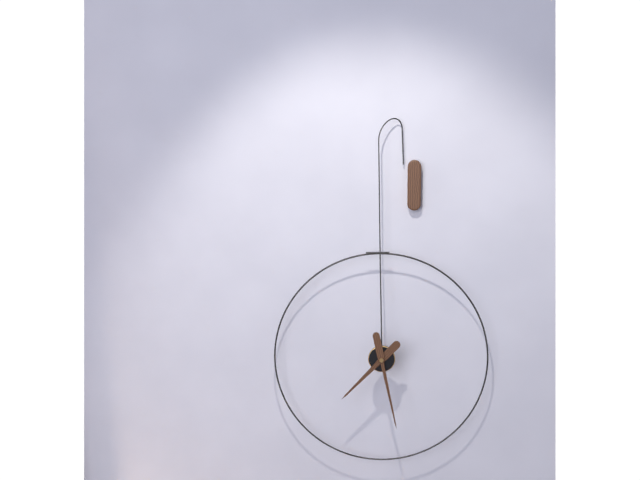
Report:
7,28
